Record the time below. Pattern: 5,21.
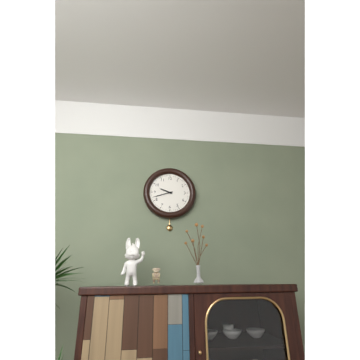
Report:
9,42
